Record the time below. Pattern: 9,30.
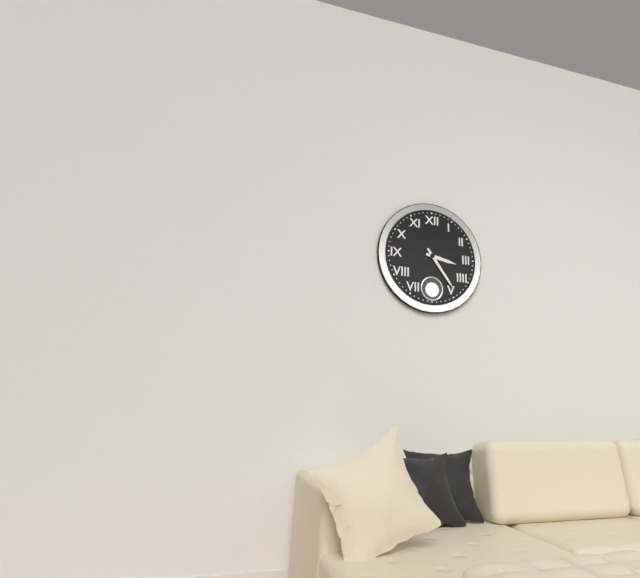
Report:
3,24
